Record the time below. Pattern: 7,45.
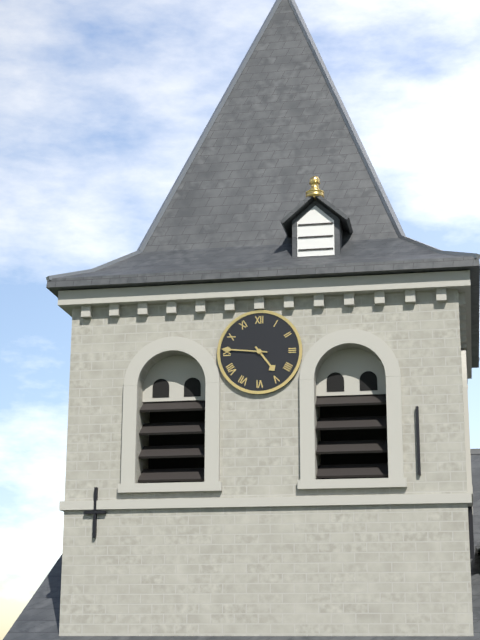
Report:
4,46
